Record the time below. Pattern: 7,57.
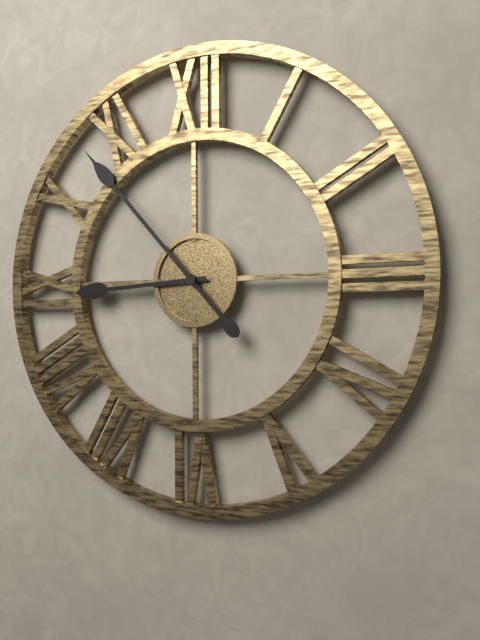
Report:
8,53
